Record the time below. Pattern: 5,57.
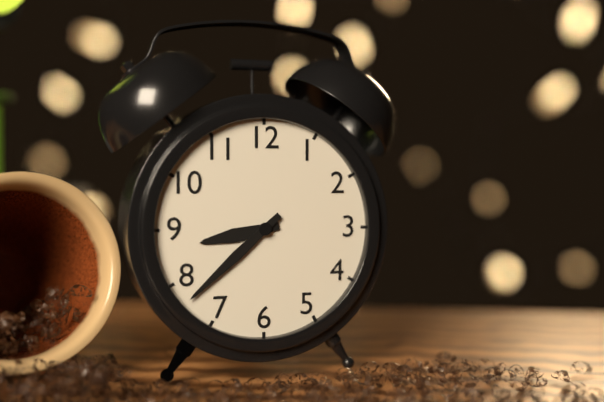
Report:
8,38
